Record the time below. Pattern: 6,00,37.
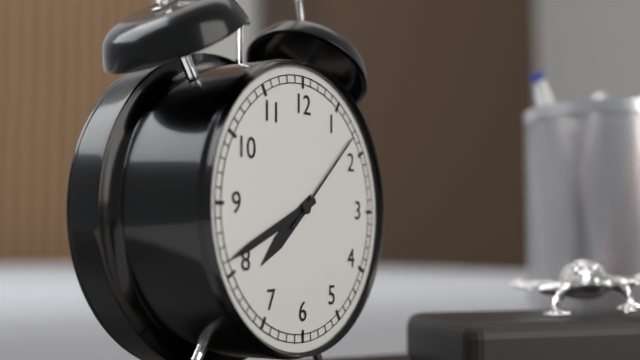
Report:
7,41,08
